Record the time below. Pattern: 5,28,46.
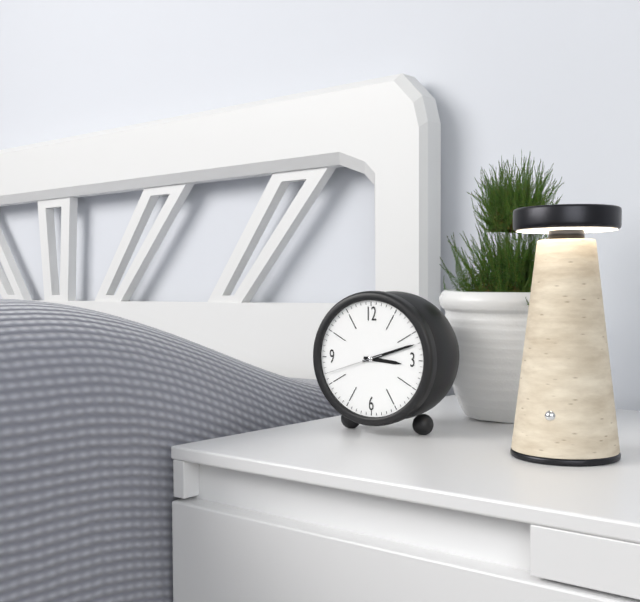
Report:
3,12,42
